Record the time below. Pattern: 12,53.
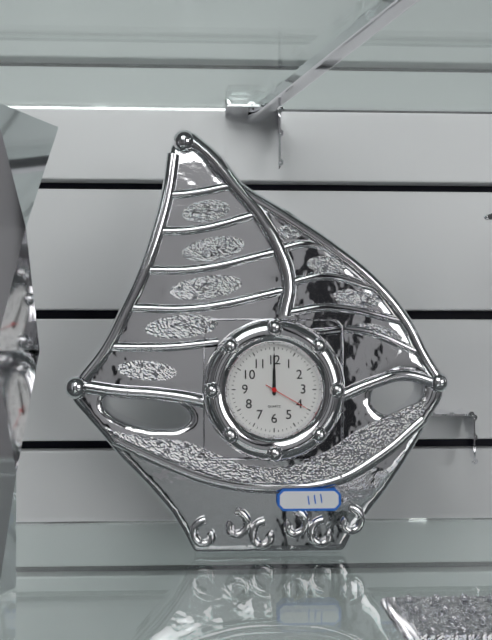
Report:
12,00
